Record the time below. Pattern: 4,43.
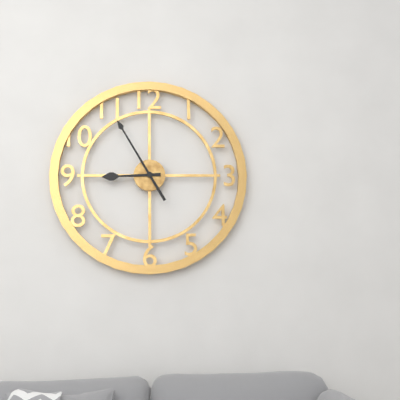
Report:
8,55
